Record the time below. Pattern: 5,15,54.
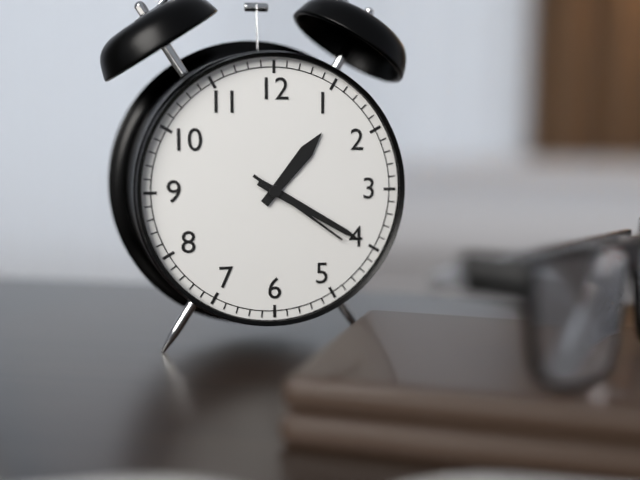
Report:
1,20,21
